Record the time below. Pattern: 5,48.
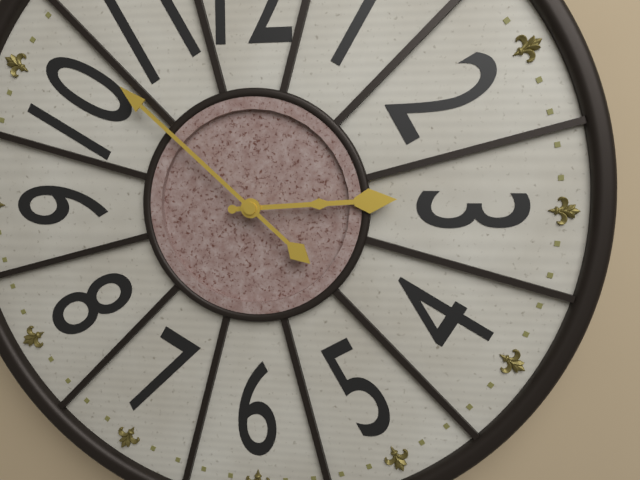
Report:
2,52
